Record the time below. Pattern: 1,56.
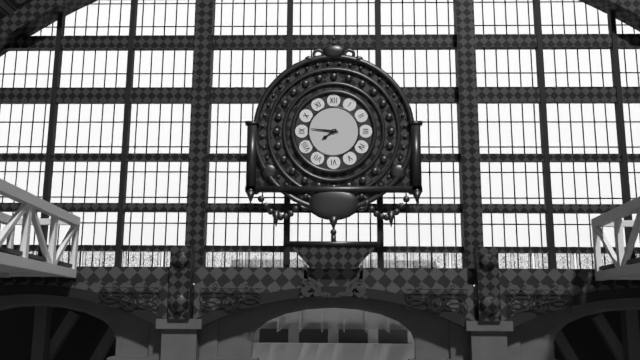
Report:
7,46
